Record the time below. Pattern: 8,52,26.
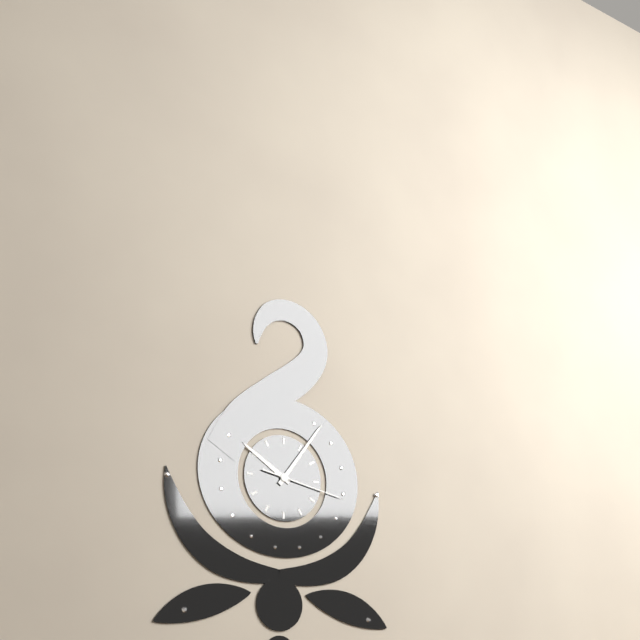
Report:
10,06,17
